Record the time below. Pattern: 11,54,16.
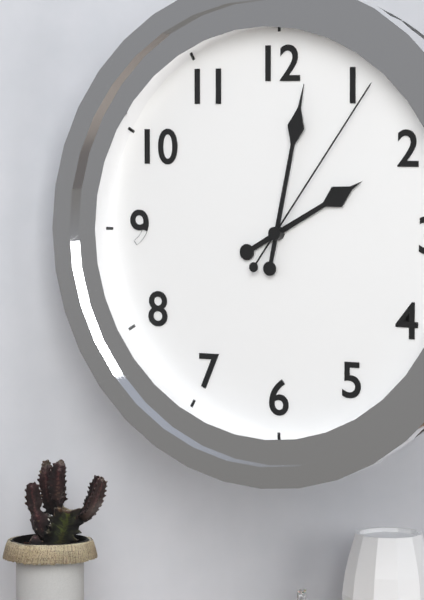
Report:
2,02,06
